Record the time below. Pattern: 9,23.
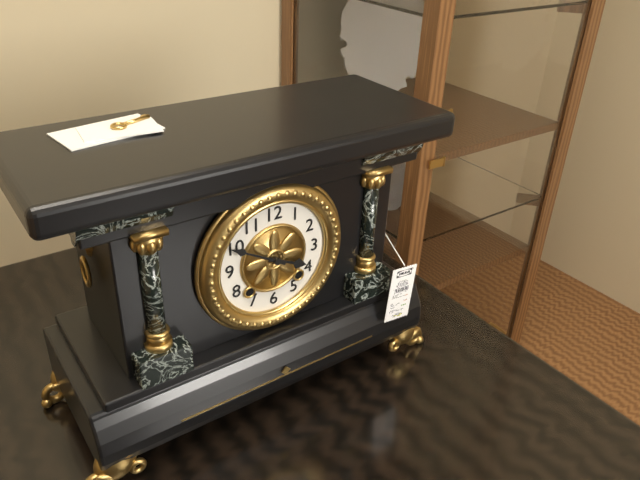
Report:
3,50
